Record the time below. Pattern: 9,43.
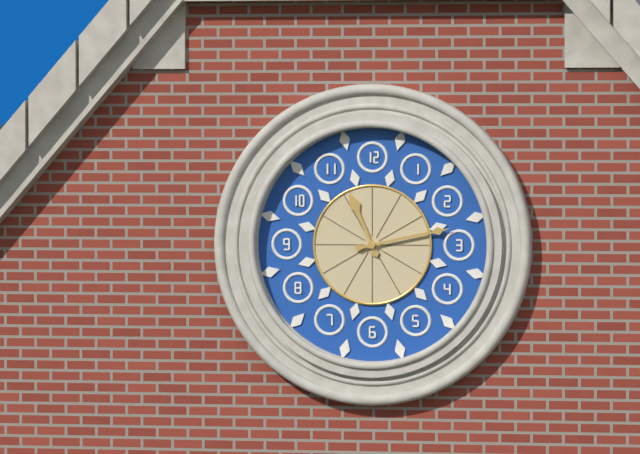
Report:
11,13
